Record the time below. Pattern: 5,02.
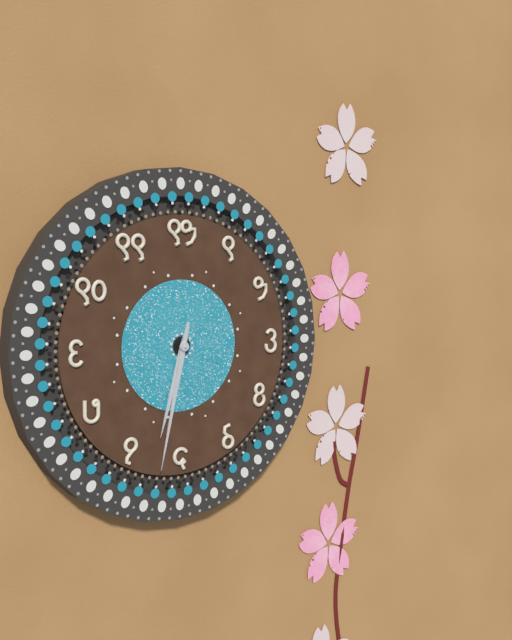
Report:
6,32
